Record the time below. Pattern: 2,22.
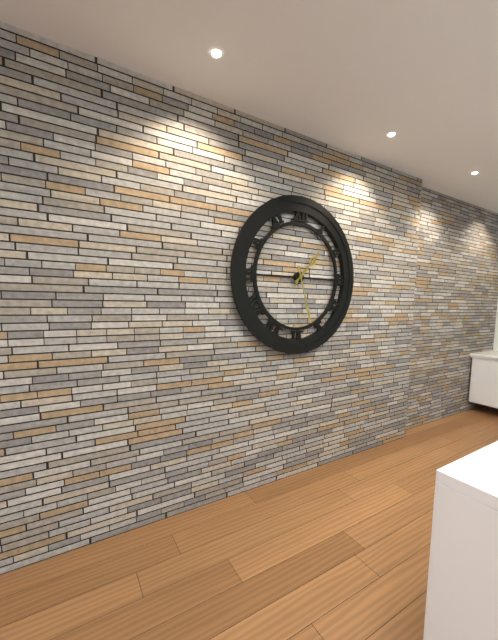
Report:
1,27
